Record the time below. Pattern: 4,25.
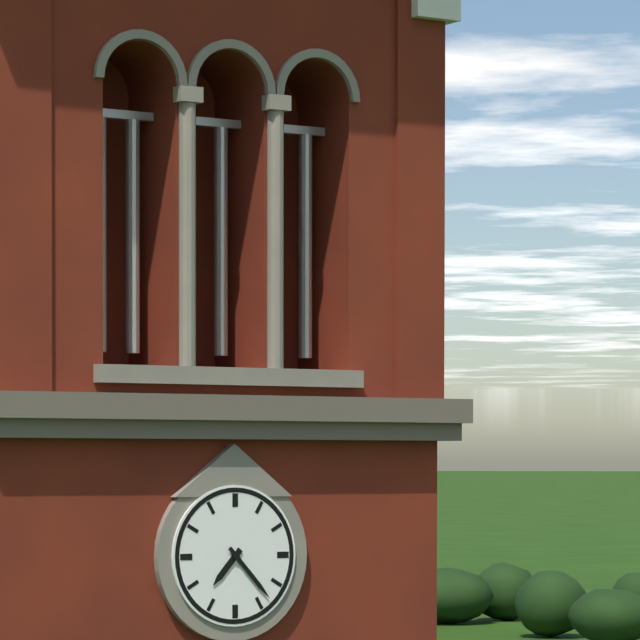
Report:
7,23
